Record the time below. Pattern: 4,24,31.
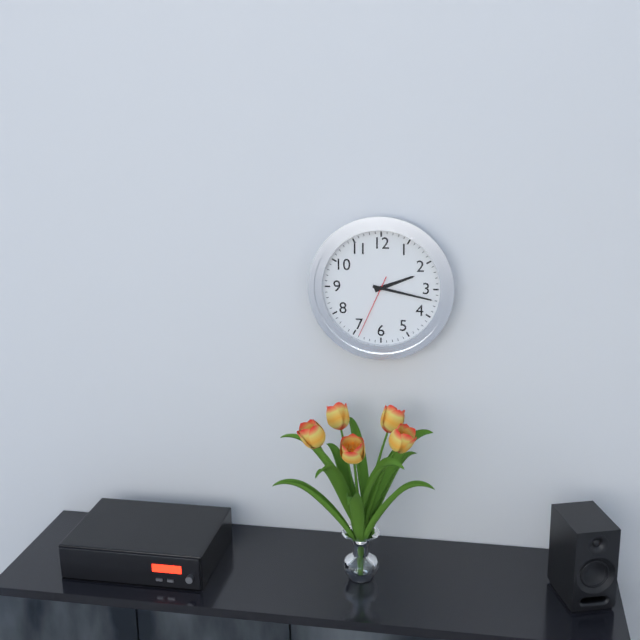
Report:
2,17,34
